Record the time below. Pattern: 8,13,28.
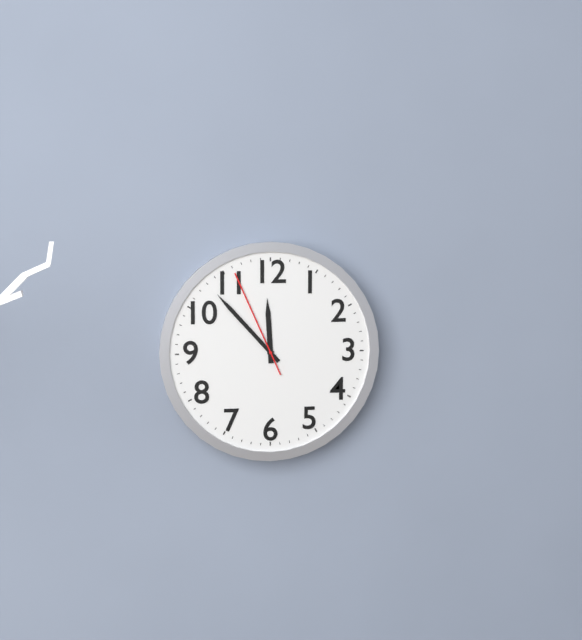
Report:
11,53,56
